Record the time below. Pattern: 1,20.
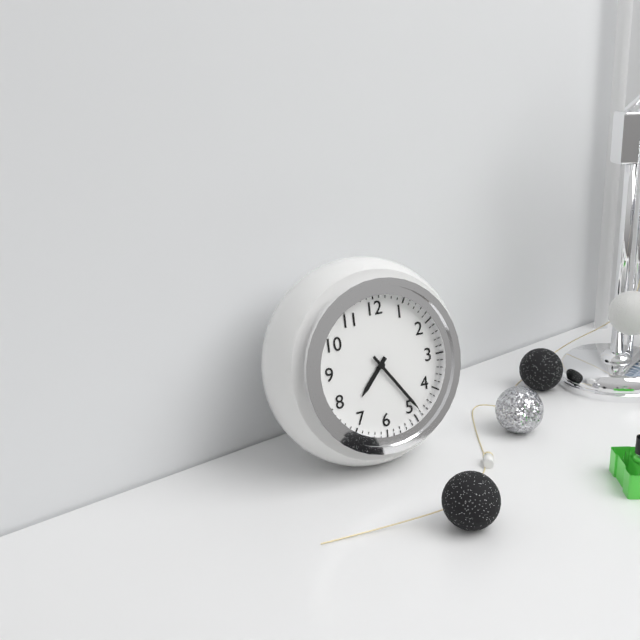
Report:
7,24
